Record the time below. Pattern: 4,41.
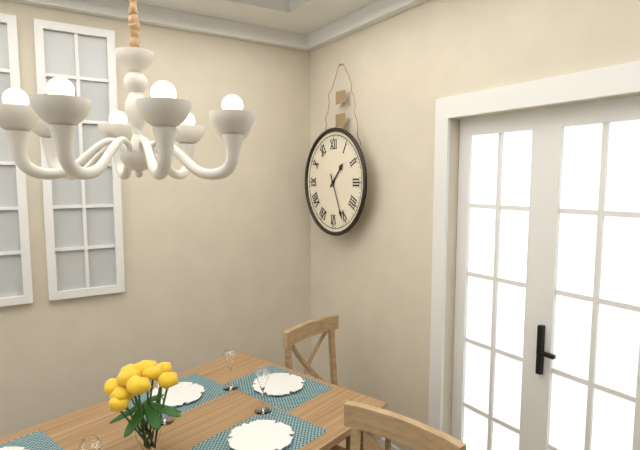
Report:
1,26
